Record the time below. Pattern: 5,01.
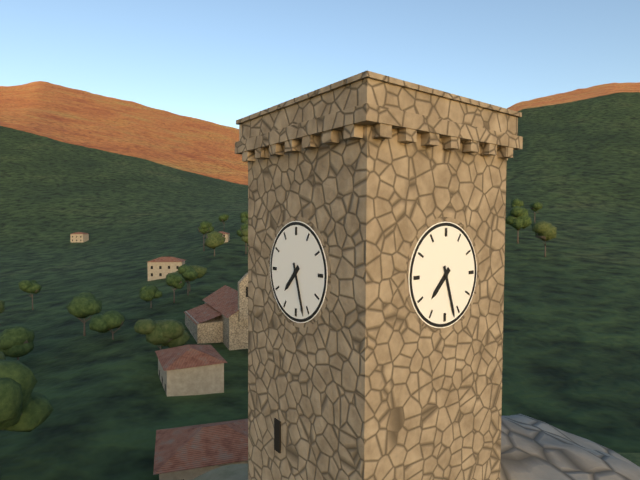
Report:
7,27
